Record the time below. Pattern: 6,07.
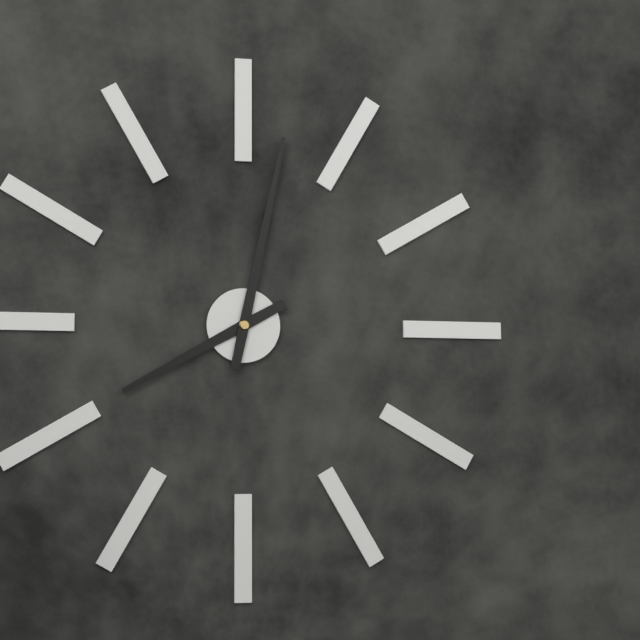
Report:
8,02
